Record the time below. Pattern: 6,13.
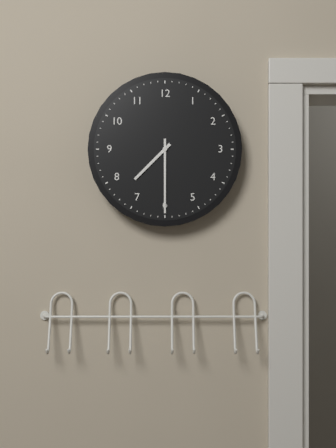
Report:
7,30
